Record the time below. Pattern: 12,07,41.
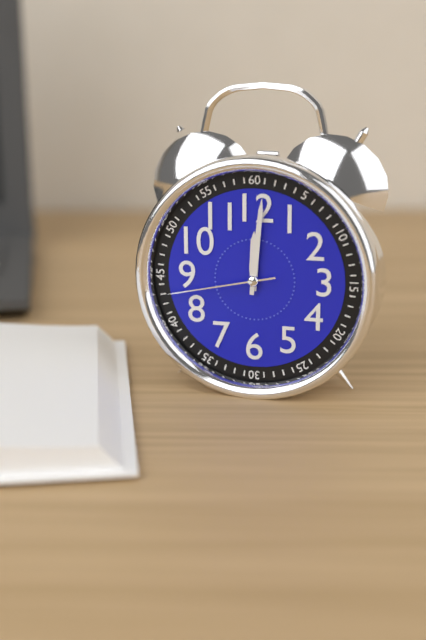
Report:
12,01,43
